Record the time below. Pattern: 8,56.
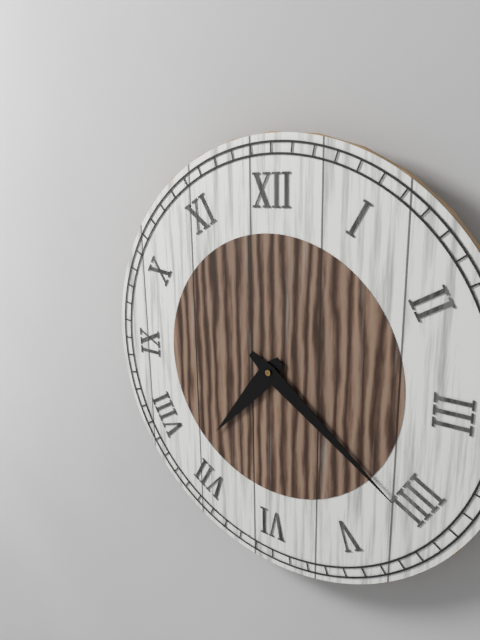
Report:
7,21
